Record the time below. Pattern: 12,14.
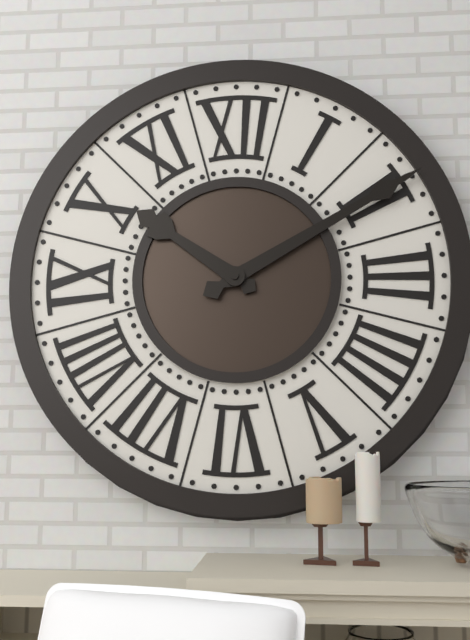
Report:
10,10
